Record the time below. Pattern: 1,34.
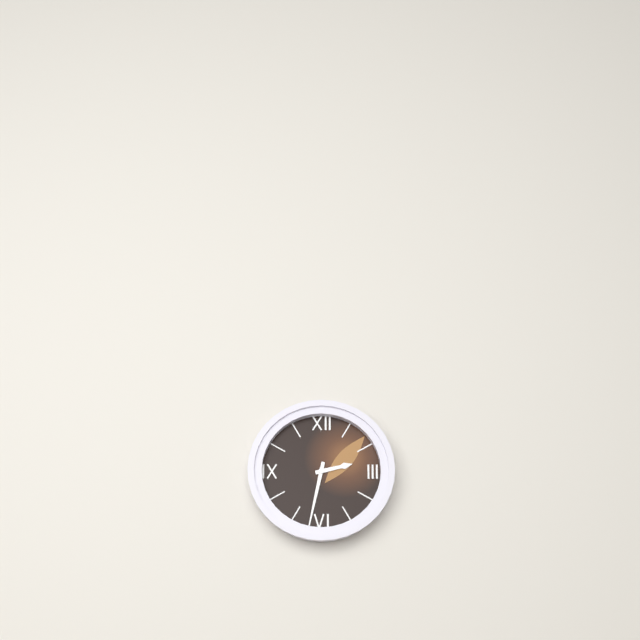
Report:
2,32
